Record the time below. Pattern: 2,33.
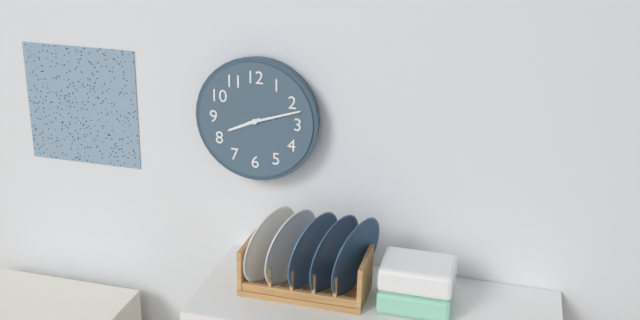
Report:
8,12
